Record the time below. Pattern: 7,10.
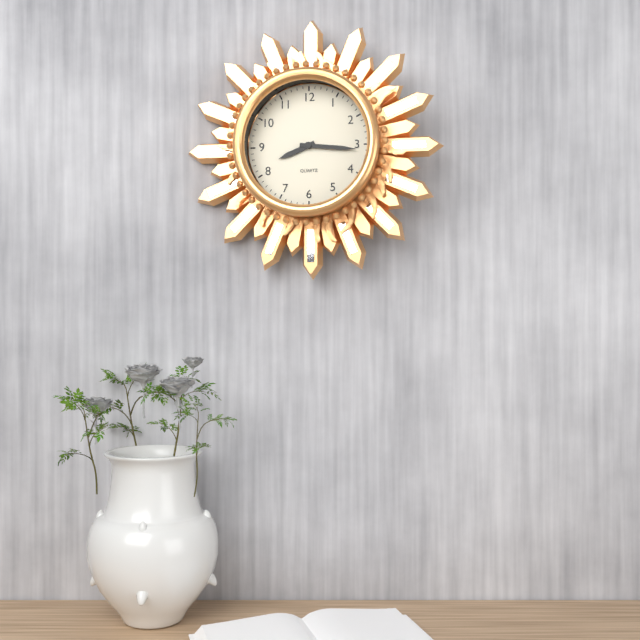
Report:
8,16
